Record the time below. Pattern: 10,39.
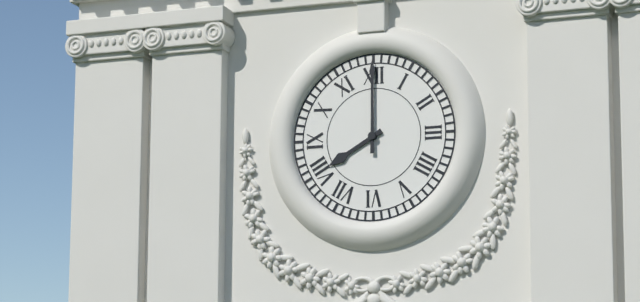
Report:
8,00
